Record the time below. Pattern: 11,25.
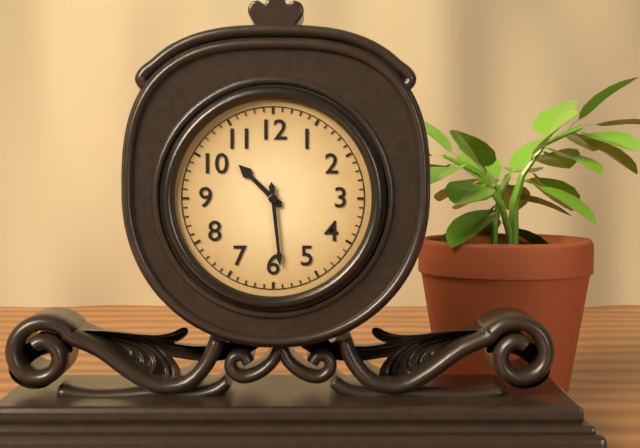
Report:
10,29
